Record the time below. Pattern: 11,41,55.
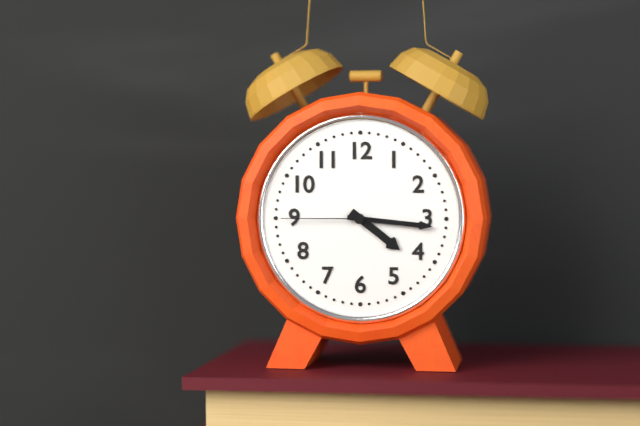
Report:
4,16,45
